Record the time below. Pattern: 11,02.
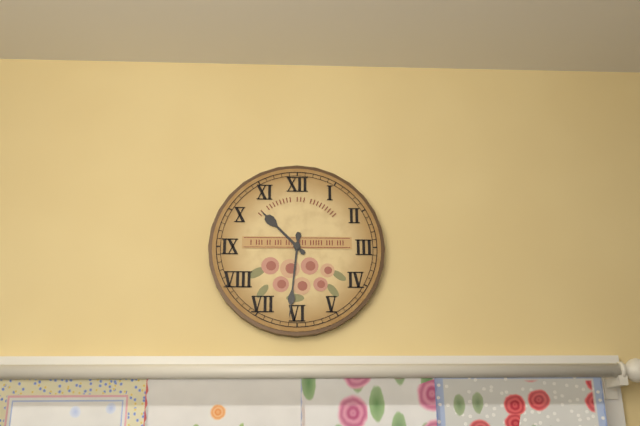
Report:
10,31
